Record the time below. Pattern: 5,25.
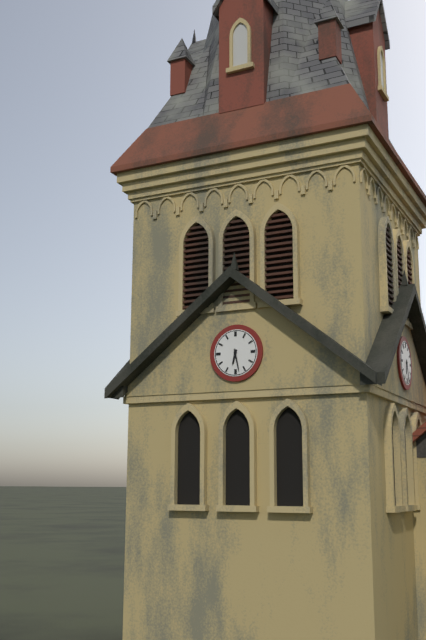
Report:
6,28
